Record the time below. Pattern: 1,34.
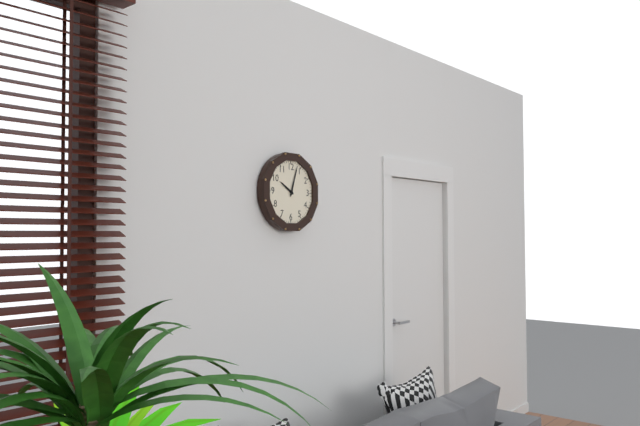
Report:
10,03
